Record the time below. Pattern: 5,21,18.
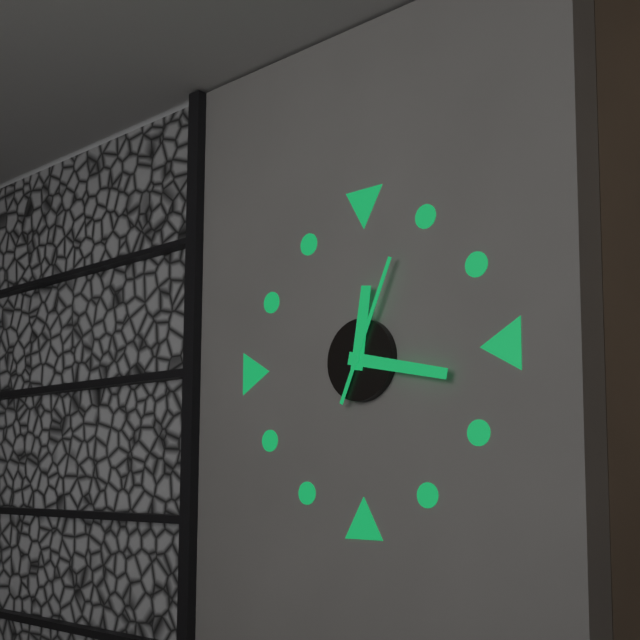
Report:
12,17,04
